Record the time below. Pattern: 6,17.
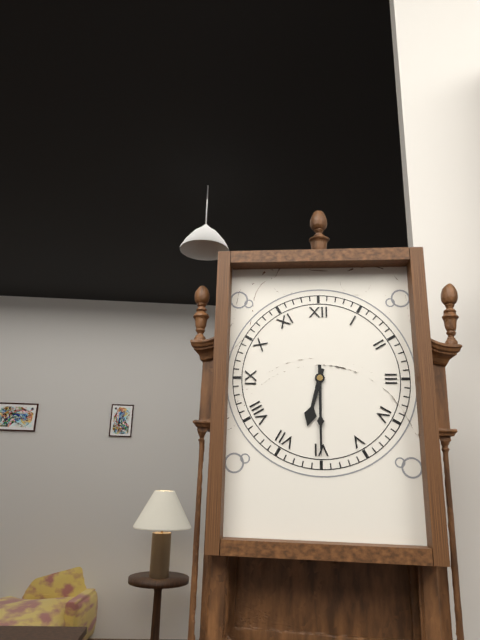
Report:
6,30
